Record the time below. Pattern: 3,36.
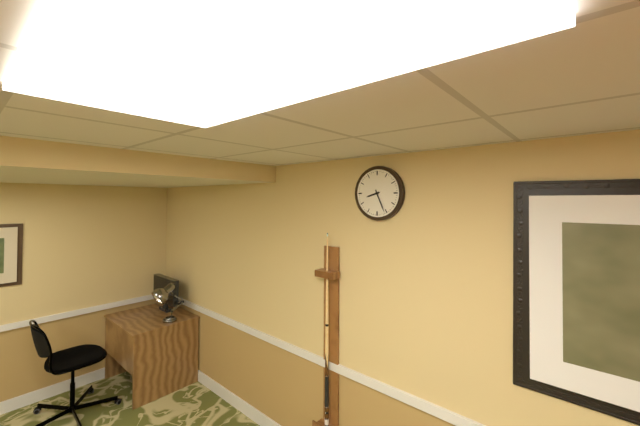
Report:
8,26
